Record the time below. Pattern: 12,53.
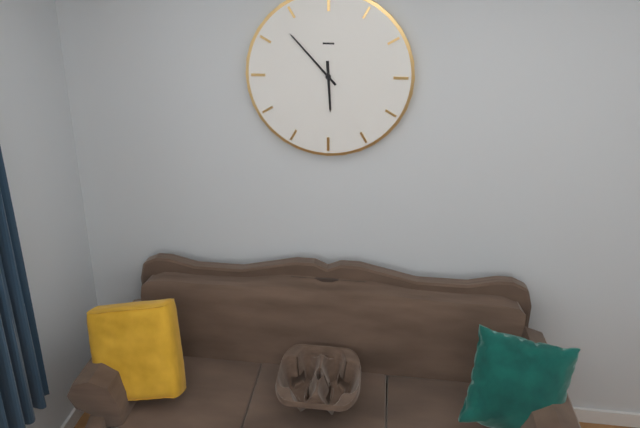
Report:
5,53
